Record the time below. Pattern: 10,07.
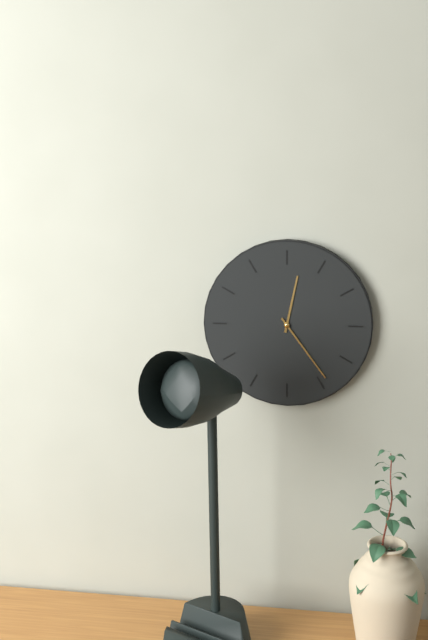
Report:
12,24
